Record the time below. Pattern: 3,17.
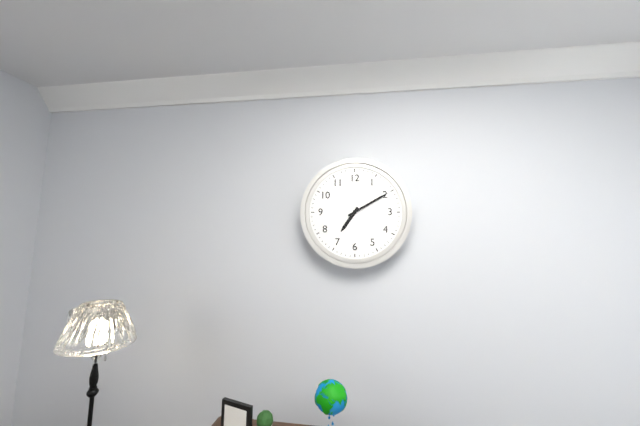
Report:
7,10
